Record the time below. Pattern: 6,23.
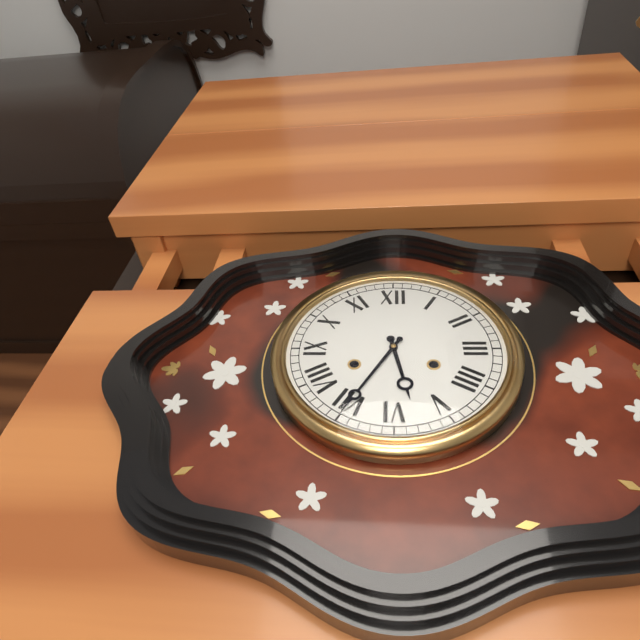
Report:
5,35
